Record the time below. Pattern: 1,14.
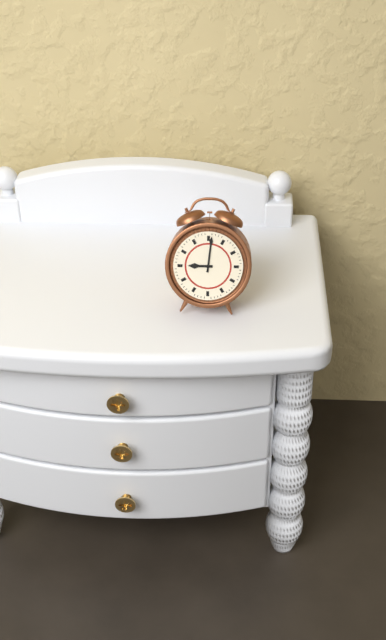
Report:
9,01
